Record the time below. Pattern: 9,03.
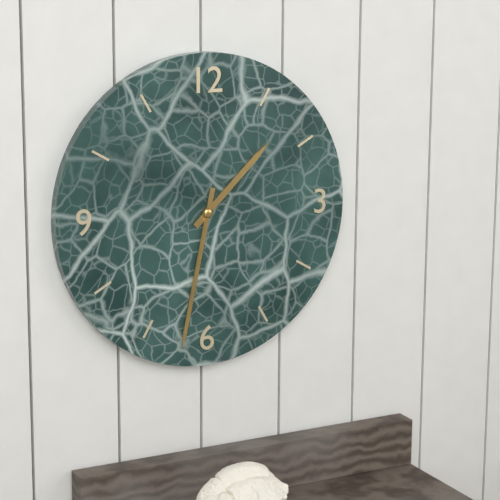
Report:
1,32
